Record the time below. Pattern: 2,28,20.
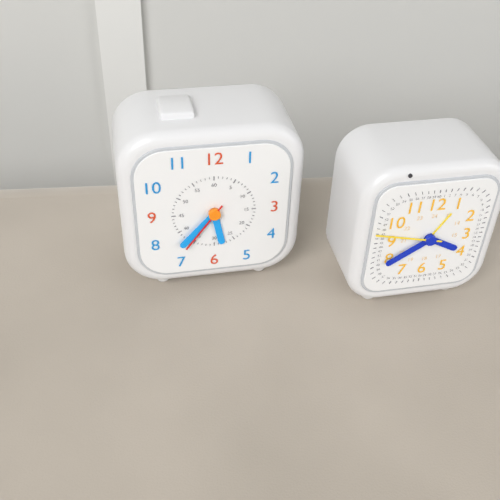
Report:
5,37,36
